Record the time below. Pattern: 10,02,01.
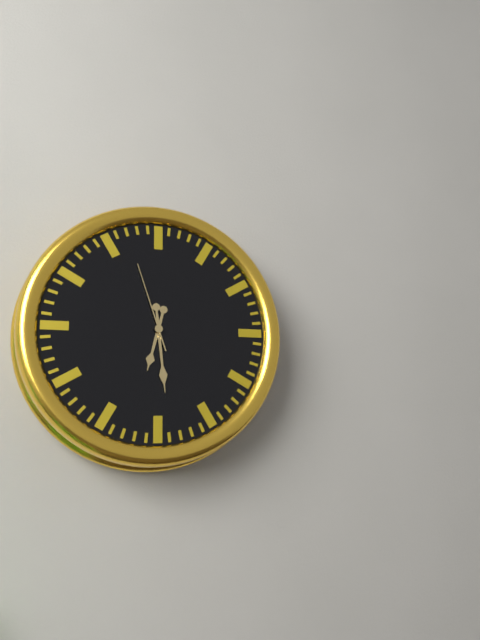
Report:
6,29,57
